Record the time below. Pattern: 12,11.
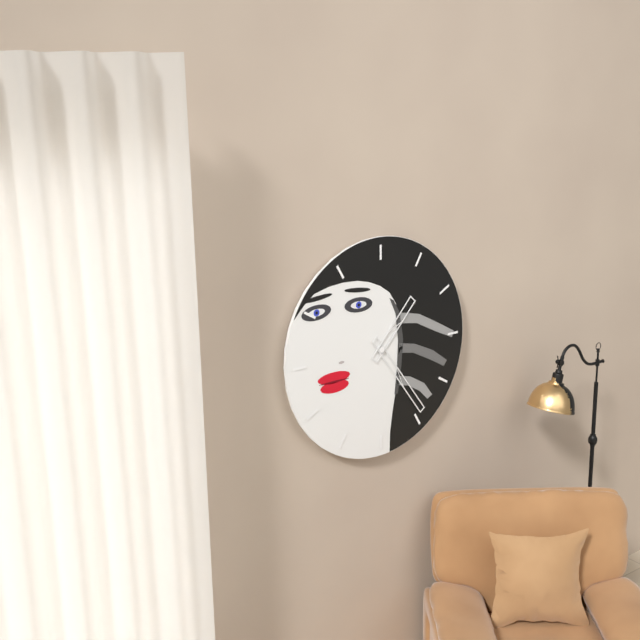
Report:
1,24
